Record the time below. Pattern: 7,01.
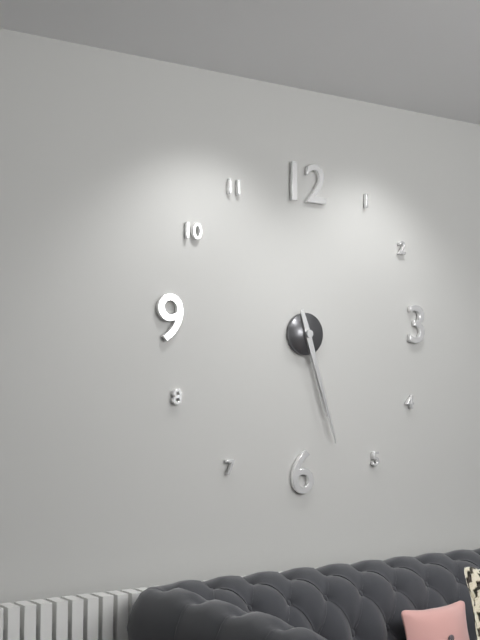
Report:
5,27
